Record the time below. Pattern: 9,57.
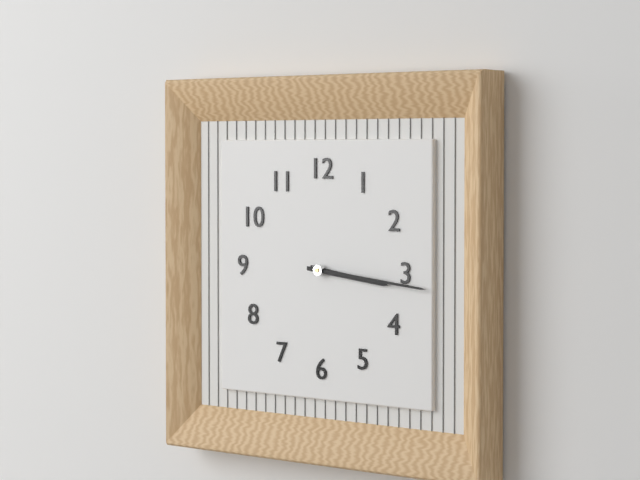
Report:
3,16
